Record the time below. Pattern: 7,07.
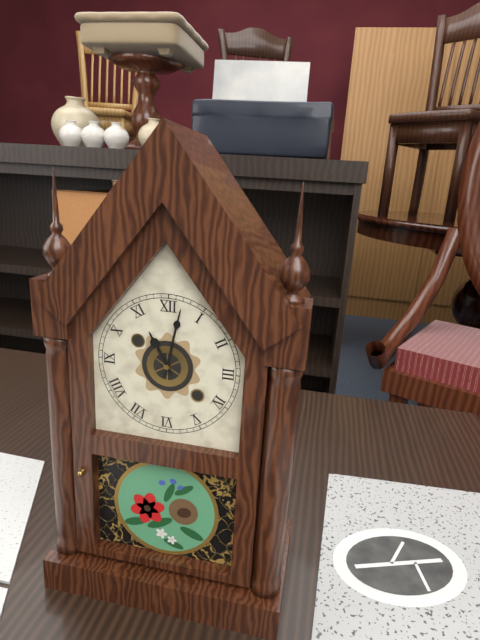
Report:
11,02
